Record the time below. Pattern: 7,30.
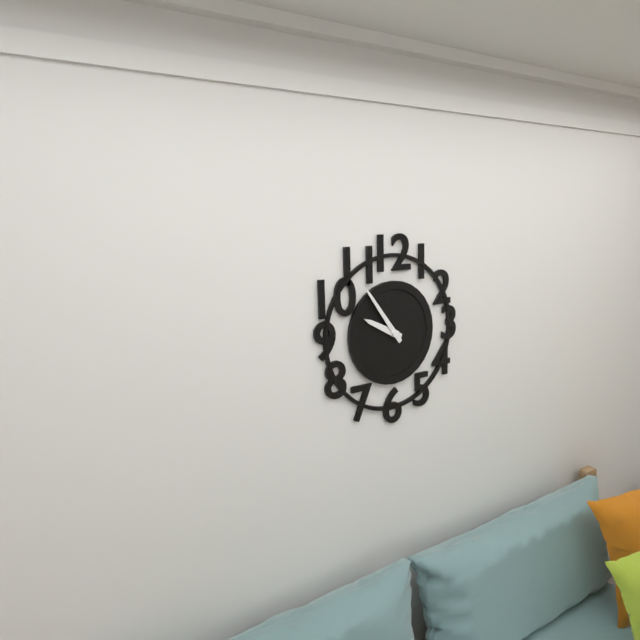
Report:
9,54
